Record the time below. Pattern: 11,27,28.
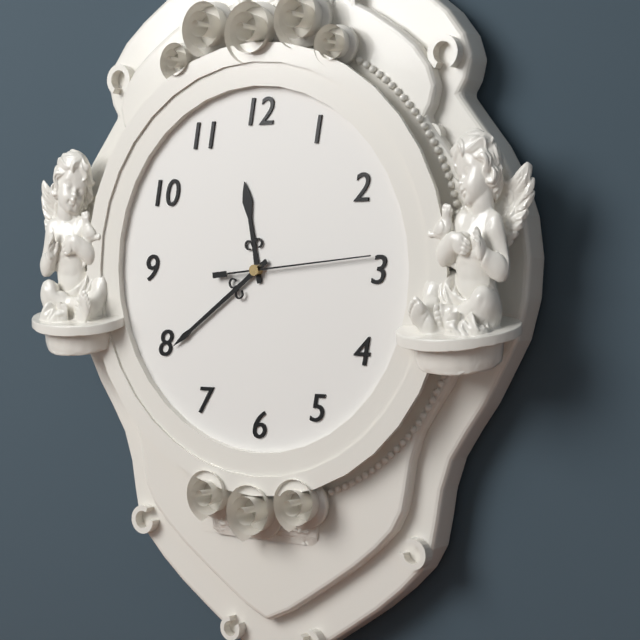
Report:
11,39,14
